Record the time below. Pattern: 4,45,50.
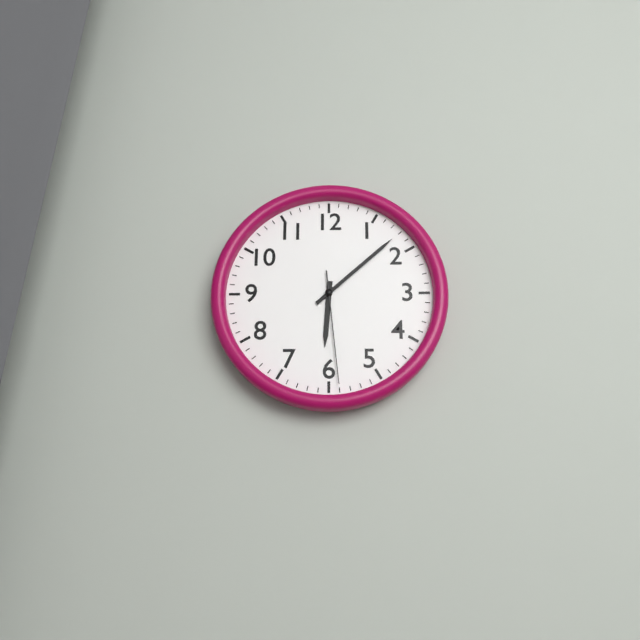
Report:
6,08,29
